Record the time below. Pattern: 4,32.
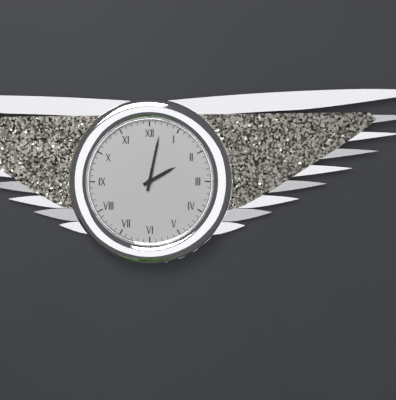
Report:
2,02
